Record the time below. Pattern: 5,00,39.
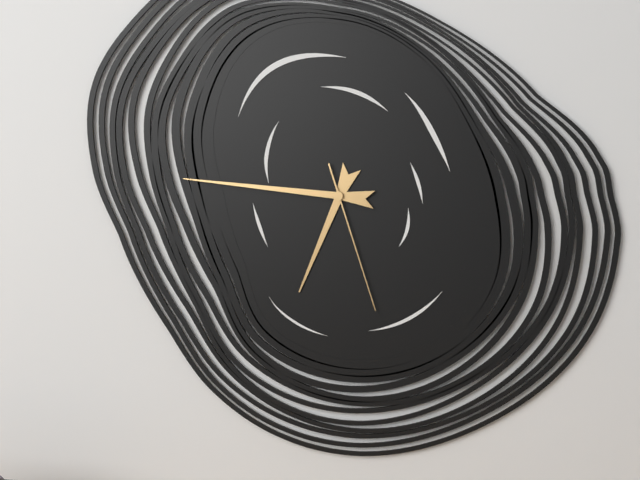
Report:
6,46,27
